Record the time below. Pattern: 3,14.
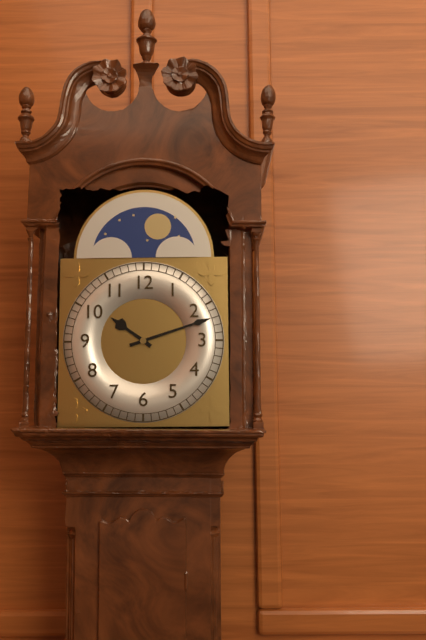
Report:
10,12
